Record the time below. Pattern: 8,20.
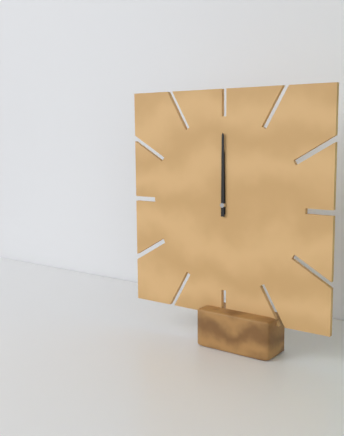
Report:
12,00
